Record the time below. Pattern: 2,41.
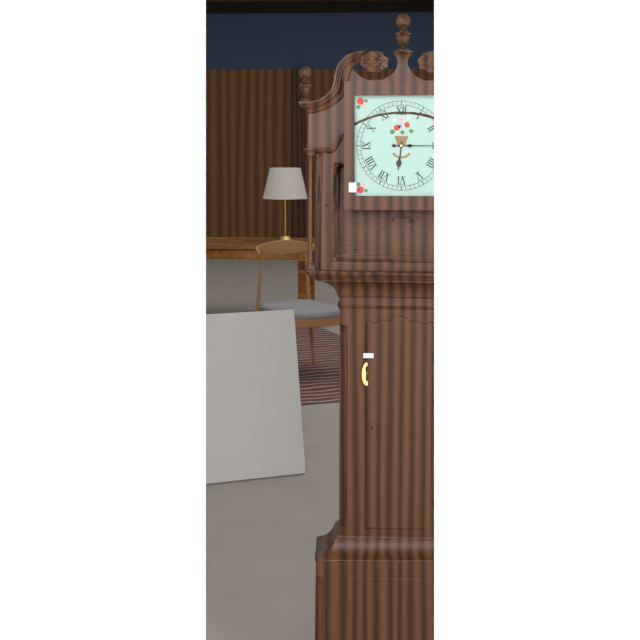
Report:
6,15
